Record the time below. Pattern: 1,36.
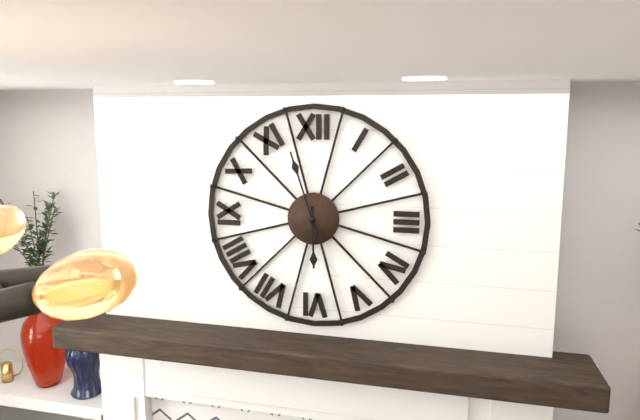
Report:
5,57
